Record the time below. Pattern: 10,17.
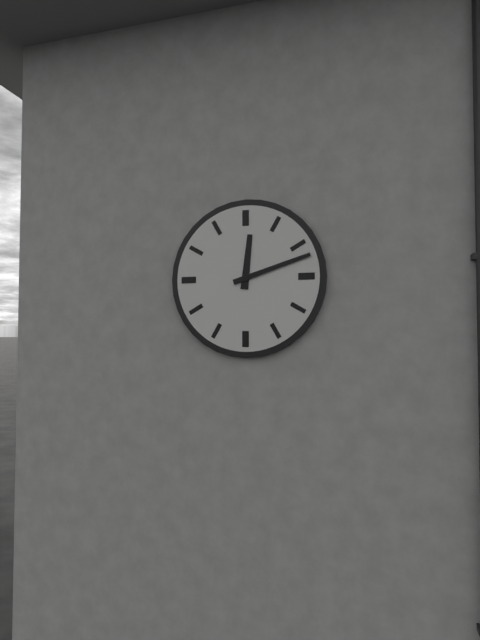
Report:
12,12
